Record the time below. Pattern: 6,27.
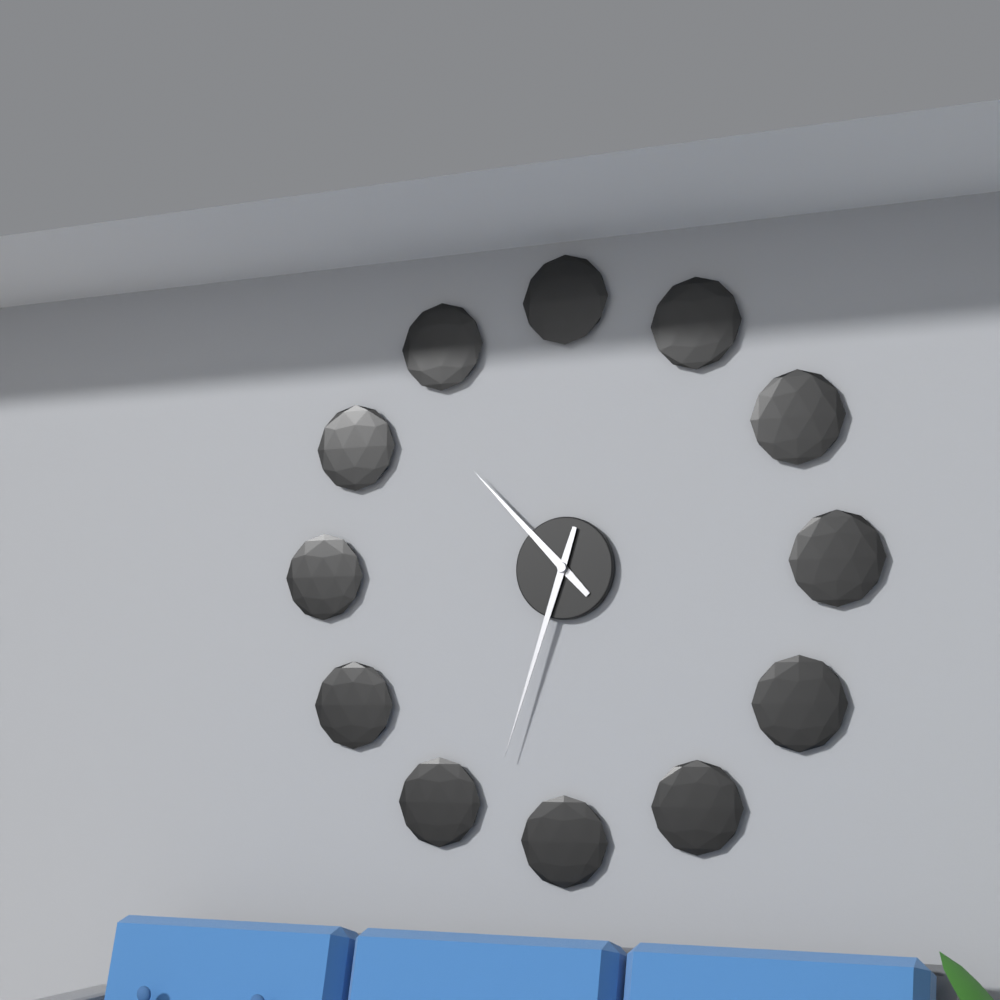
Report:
10,33
